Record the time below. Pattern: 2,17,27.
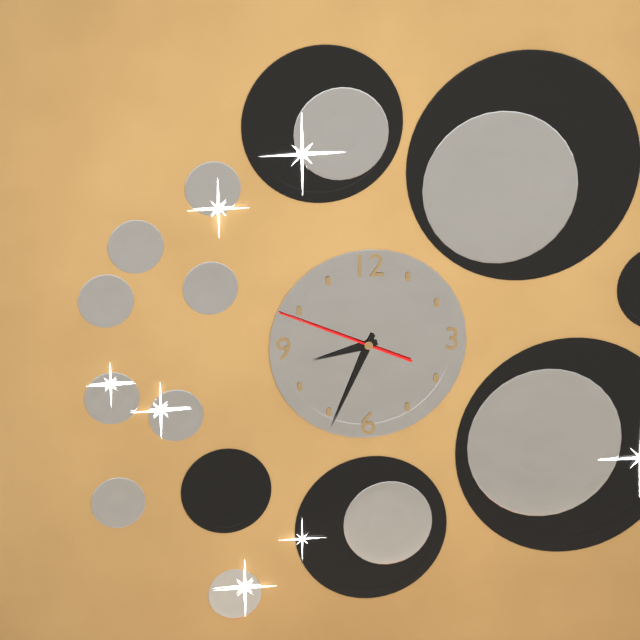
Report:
8,34,49
